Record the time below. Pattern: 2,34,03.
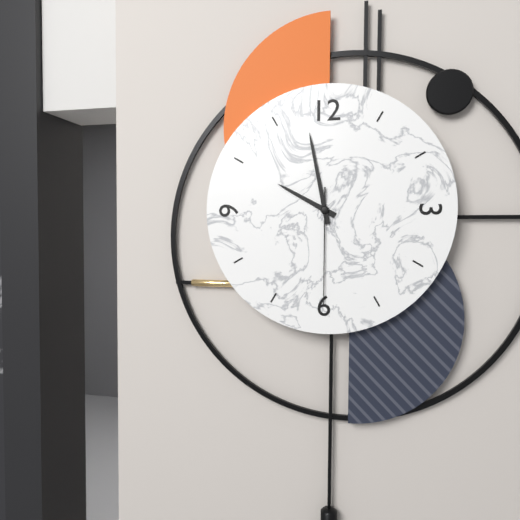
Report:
9,58,30
